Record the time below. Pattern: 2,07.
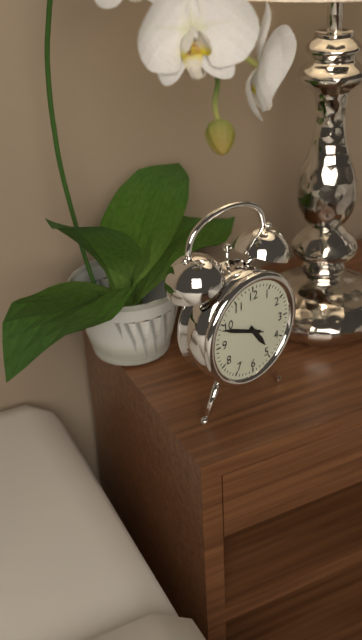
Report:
4,49
